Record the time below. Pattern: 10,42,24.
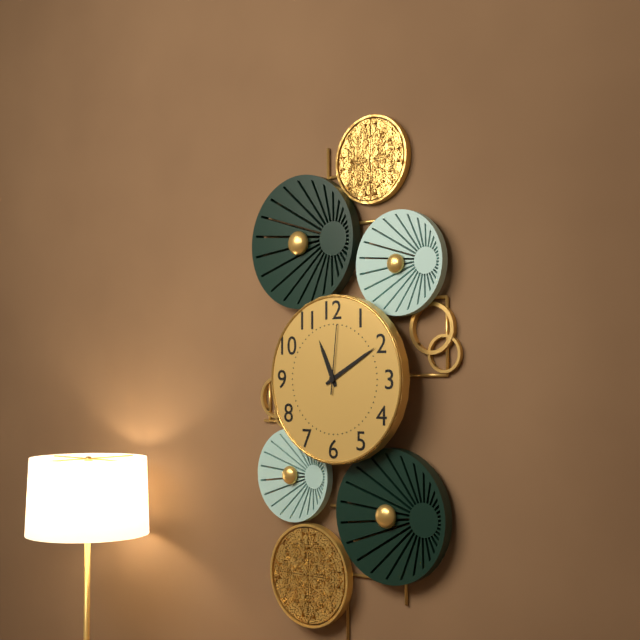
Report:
11,10,01
